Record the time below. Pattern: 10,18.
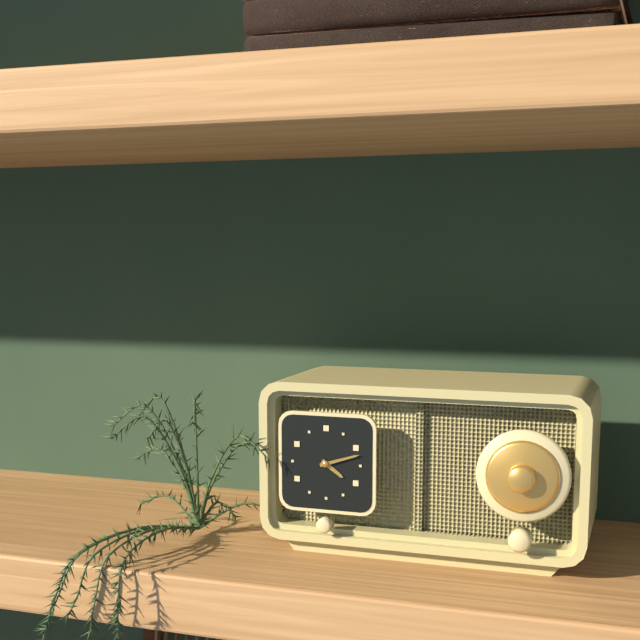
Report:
4,12
